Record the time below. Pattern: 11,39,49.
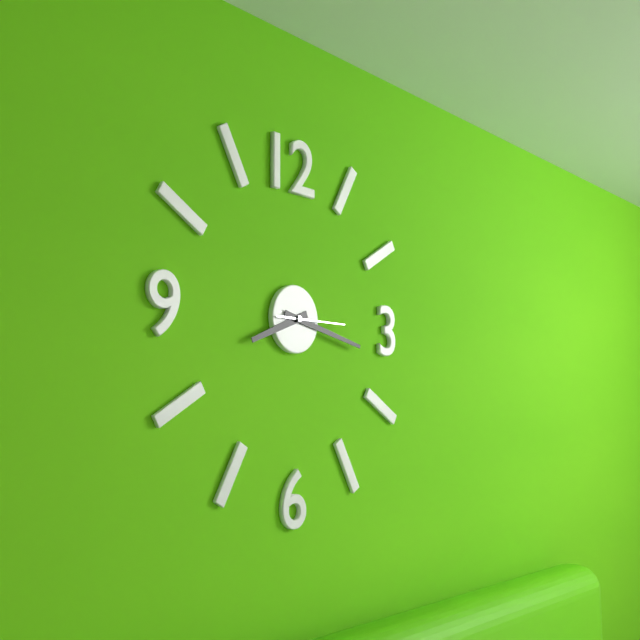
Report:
8,17,15
